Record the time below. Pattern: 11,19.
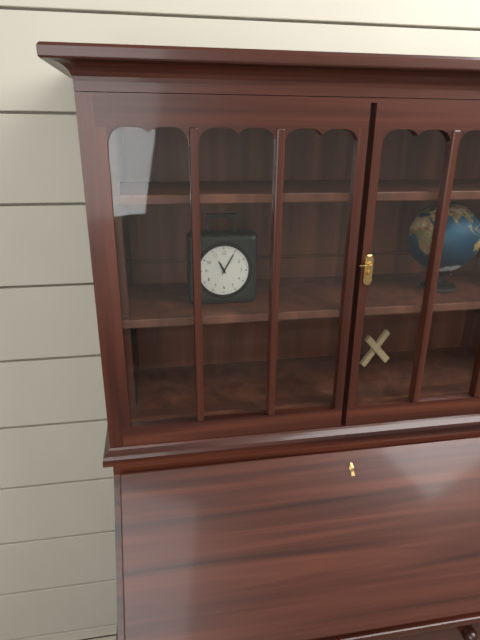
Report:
11,05
